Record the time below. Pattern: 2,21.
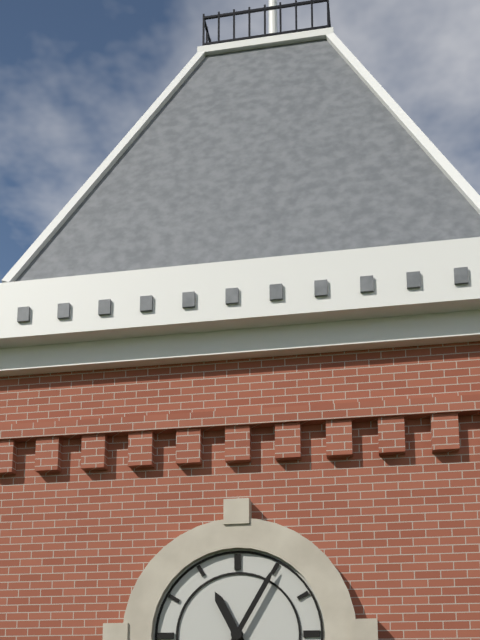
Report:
11,05
